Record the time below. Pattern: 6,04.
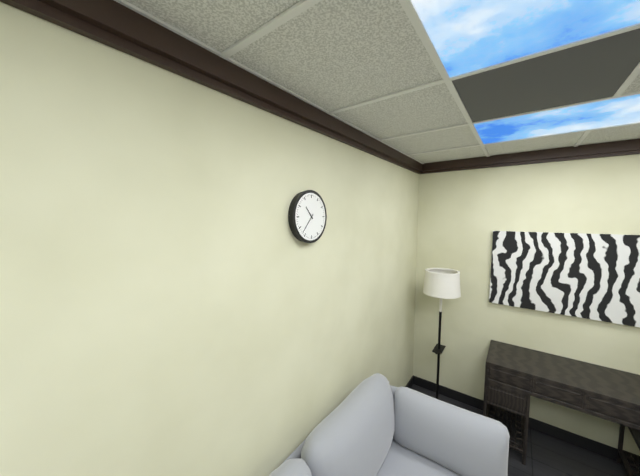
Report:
10,37
